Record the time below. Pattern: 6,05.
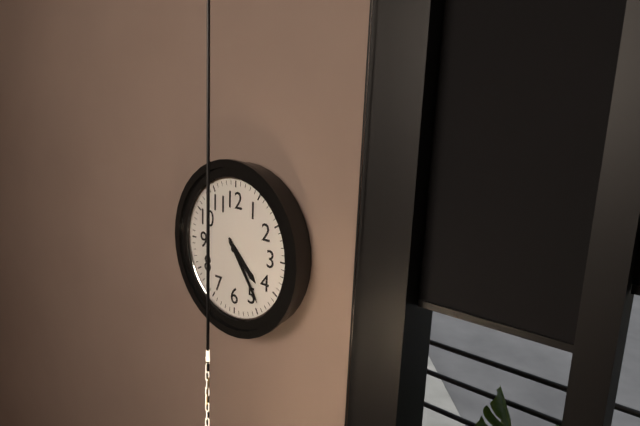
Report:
4,24
